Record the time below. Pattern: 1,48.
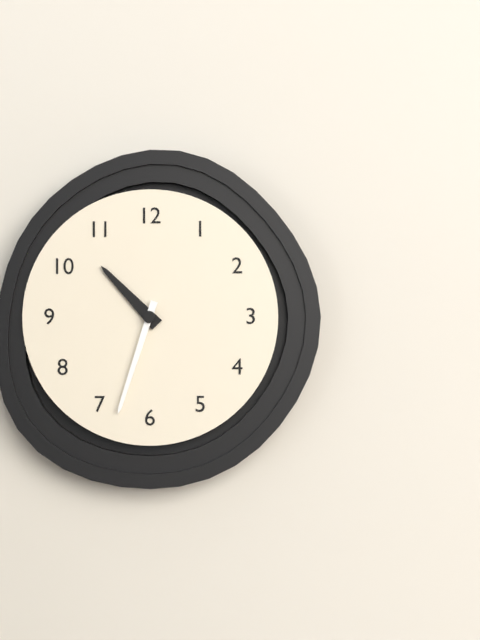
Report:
10,33
